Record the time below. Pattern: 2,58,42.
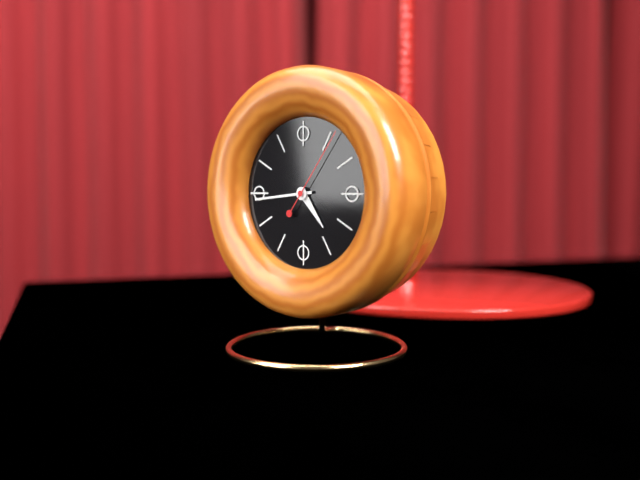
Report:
4,44,06
